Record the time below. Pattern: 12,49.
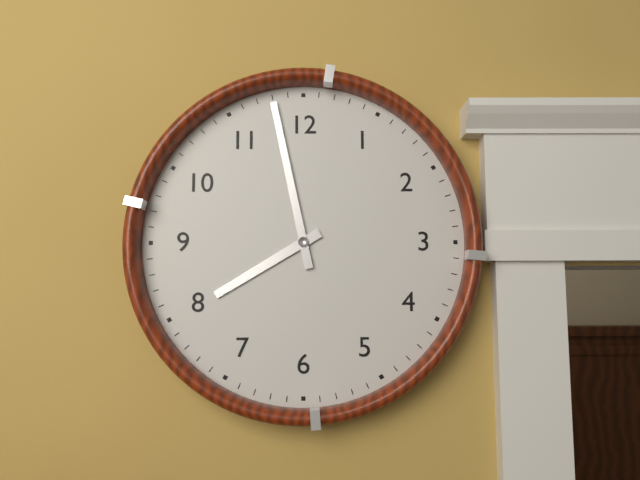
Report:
7,58
